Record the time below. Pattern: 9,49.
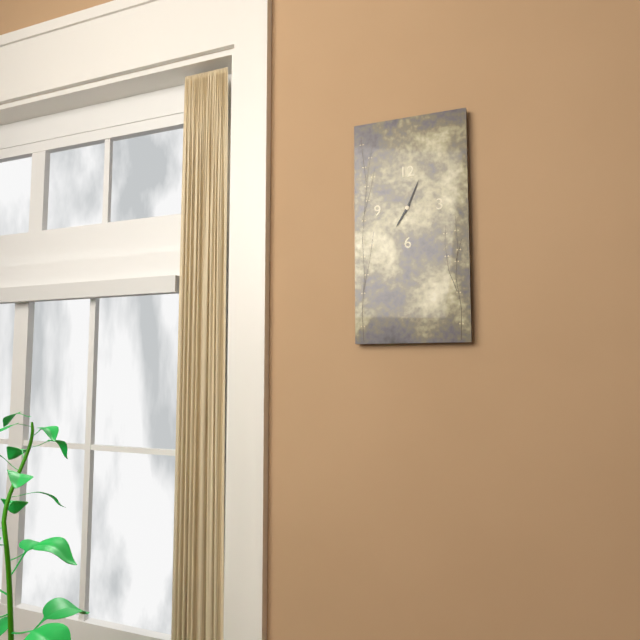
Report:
7,04
